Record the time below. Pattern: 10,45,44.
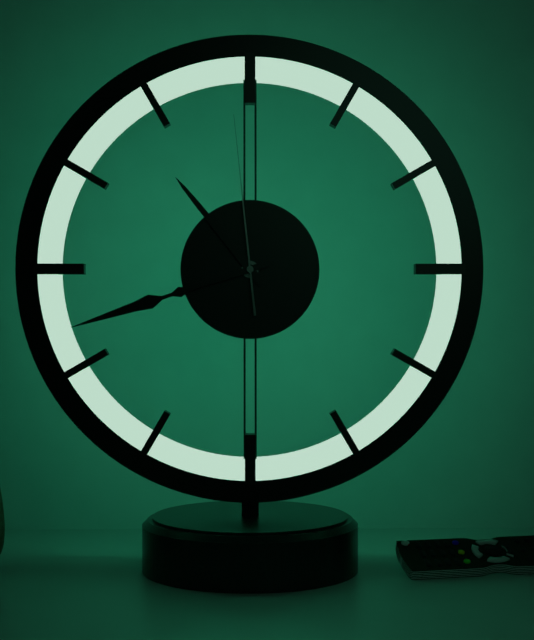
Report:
10,42,59
